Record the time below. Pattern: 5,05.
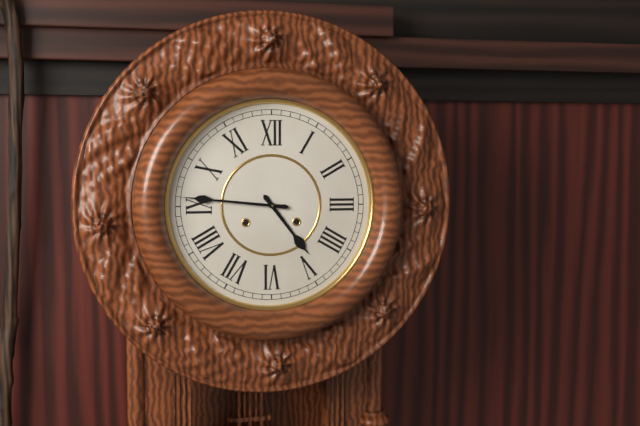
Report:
4,46
